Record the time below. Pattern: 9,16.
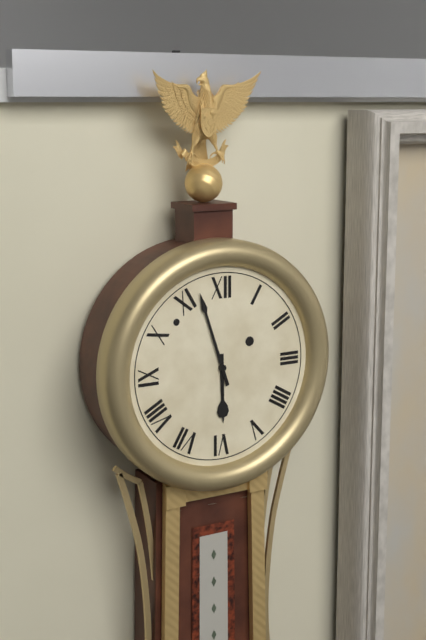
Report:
5,57
